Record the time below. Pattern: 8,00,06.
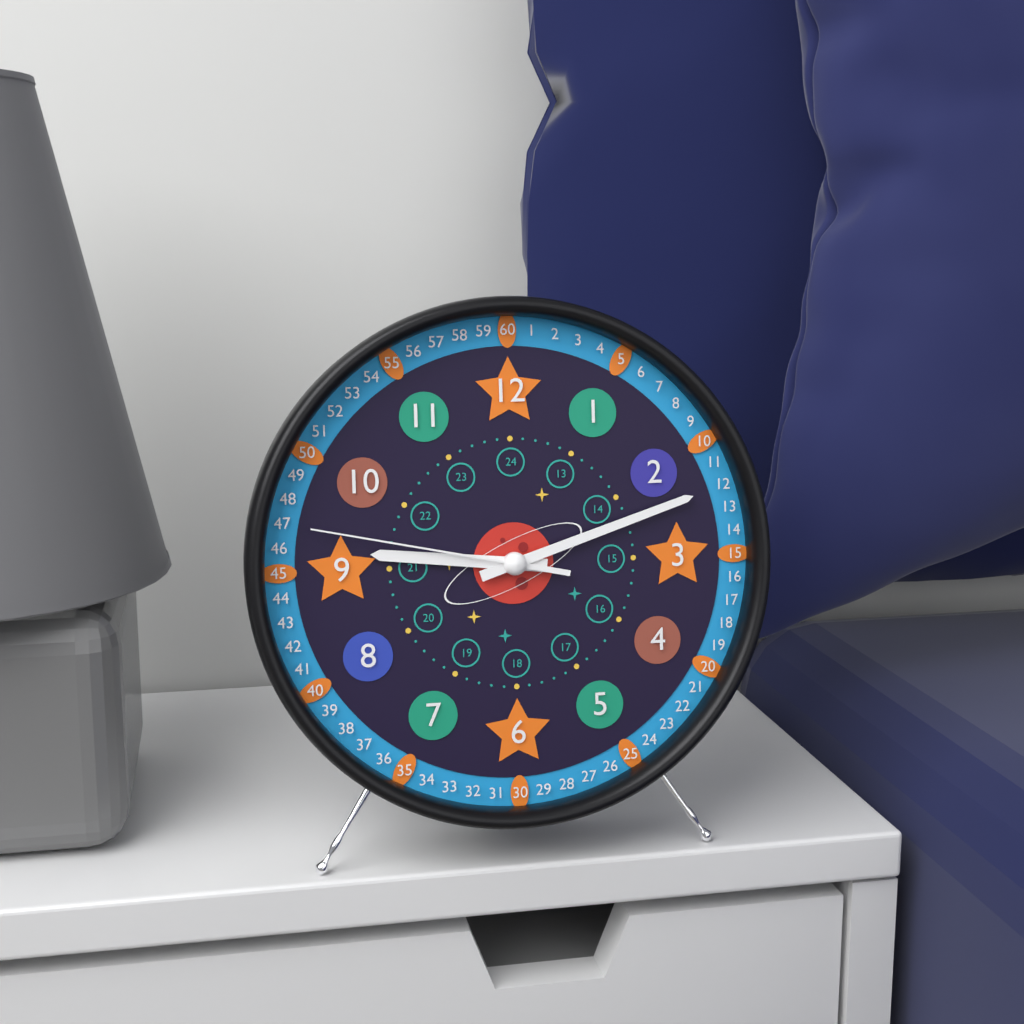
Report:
9,12,47
